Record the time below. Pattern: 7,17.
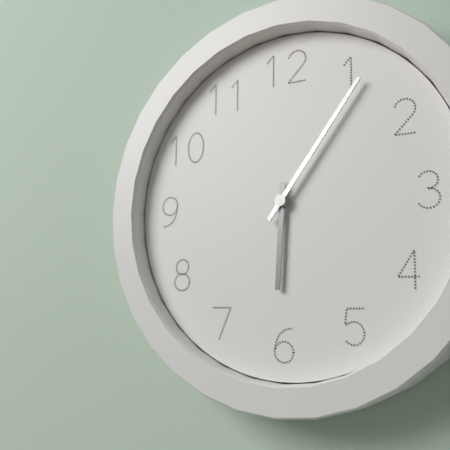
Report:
6,06
